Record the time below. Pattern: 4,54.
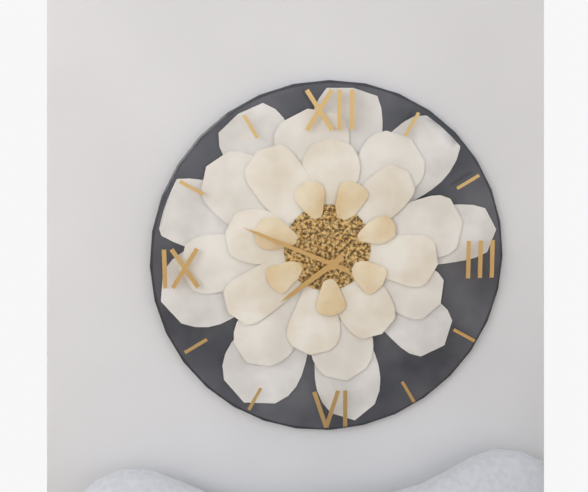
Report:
7,49
